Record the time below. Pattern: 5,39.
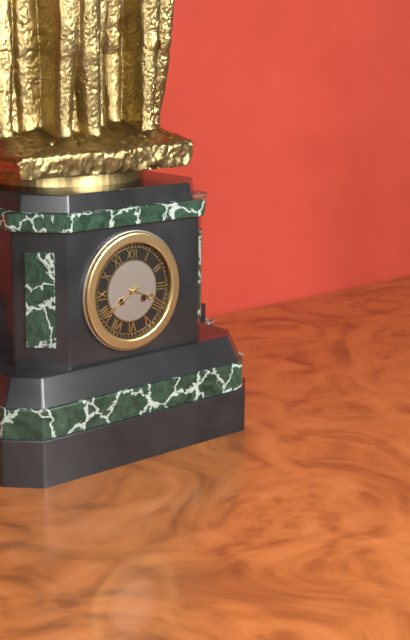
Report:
3,40
